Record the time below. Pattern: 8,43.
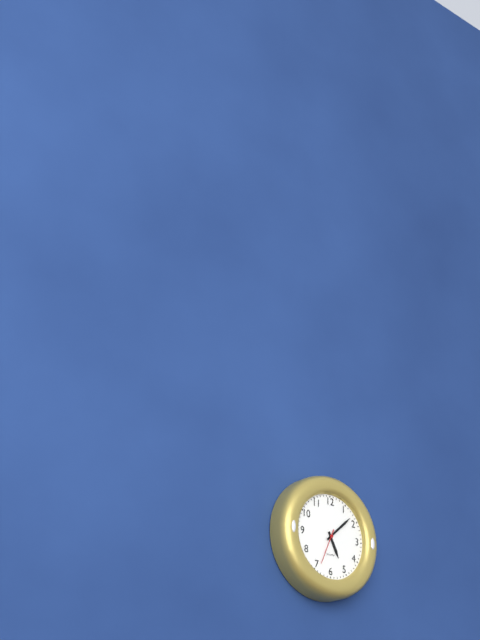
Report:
5,08
